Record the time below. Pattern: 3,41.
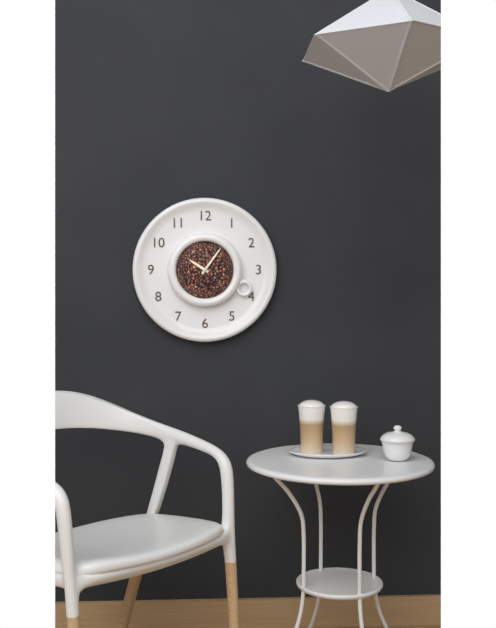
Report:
10,06
